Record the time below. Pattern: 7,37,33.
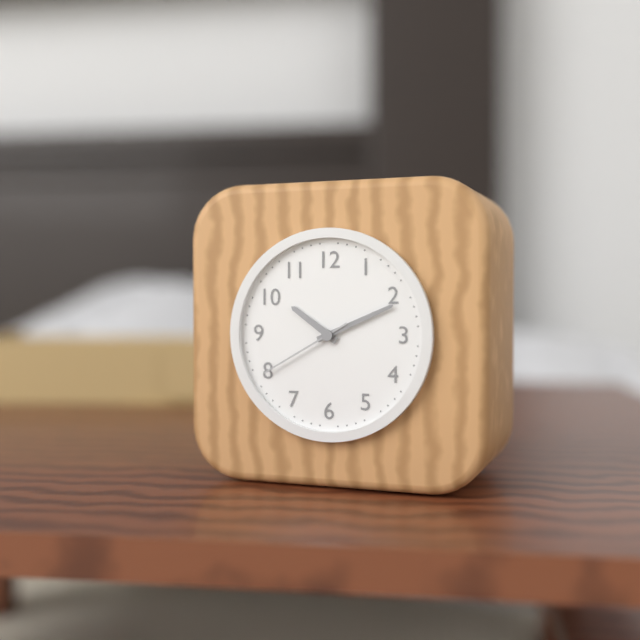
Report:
10,11,40
